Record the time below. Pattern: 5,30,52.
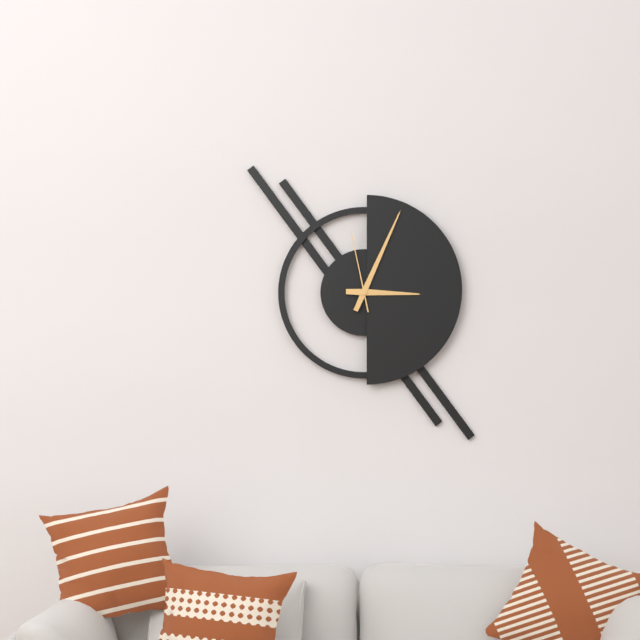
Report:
3,04,58
